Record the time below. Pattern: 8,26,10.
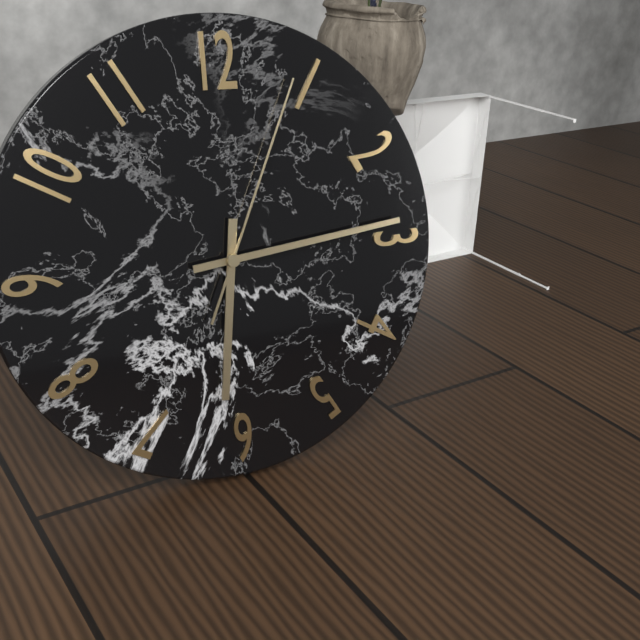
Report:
6,14,04
